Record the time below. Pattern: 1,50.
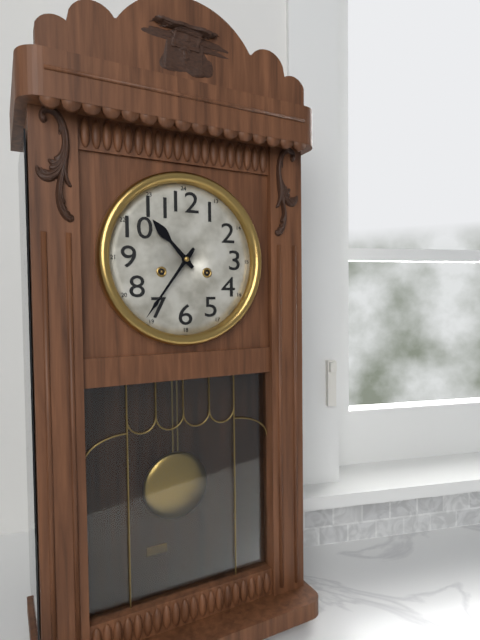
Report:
10,36
